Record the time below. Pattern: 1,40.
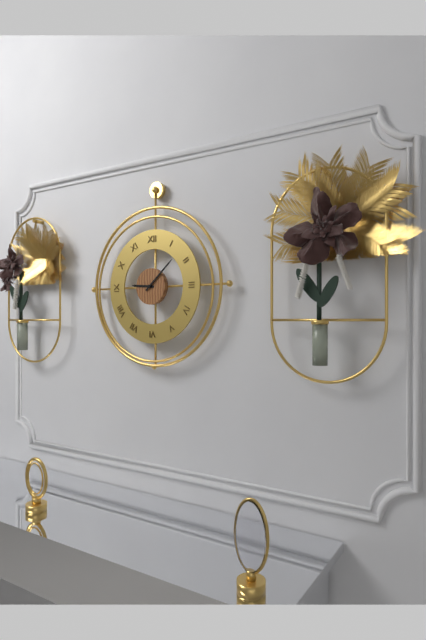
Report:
9,08
